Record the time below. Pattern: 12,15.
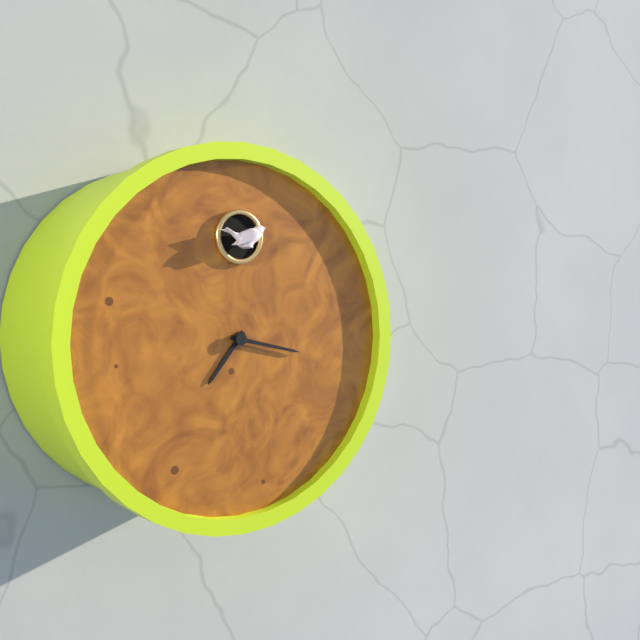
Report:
7,17
